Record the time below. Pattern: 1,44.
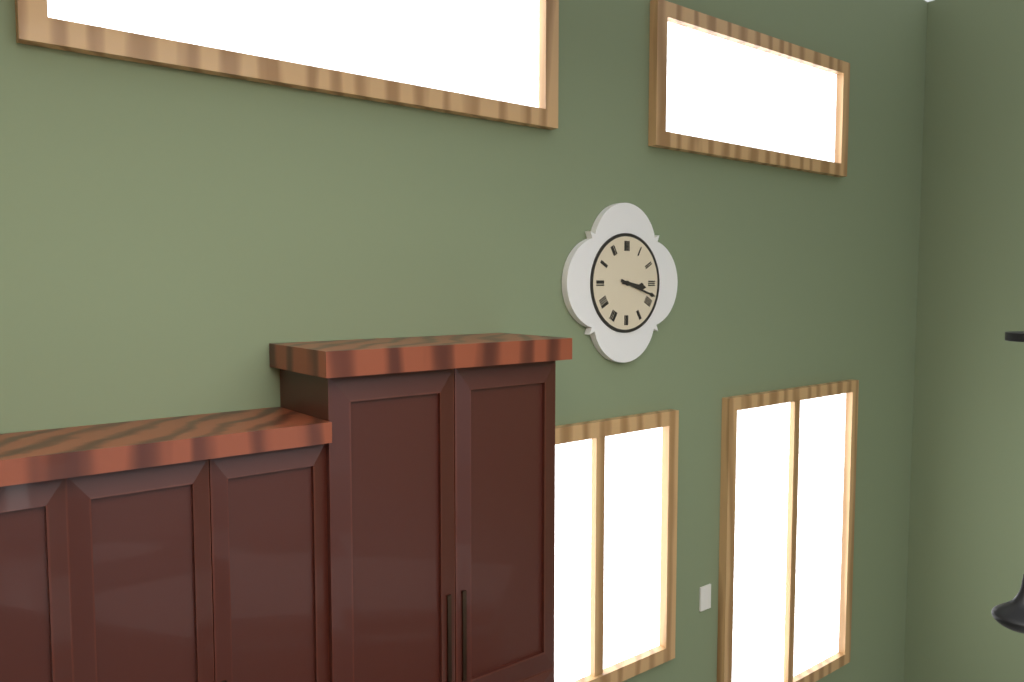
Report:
3,18
